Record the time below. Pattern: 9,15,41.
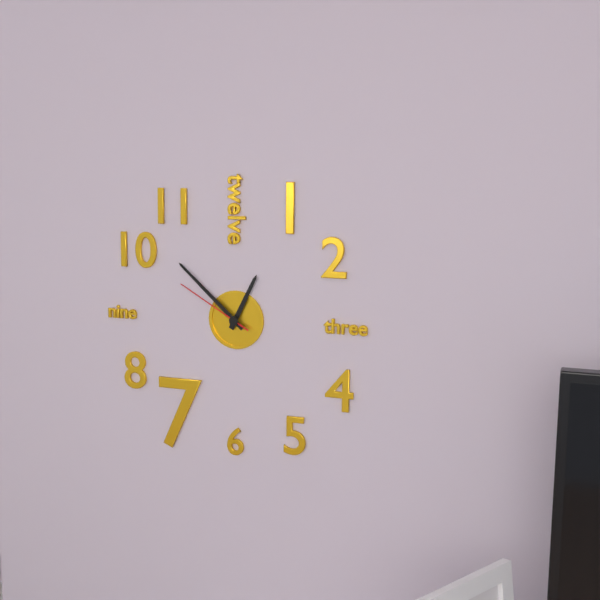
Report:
12,52,50
